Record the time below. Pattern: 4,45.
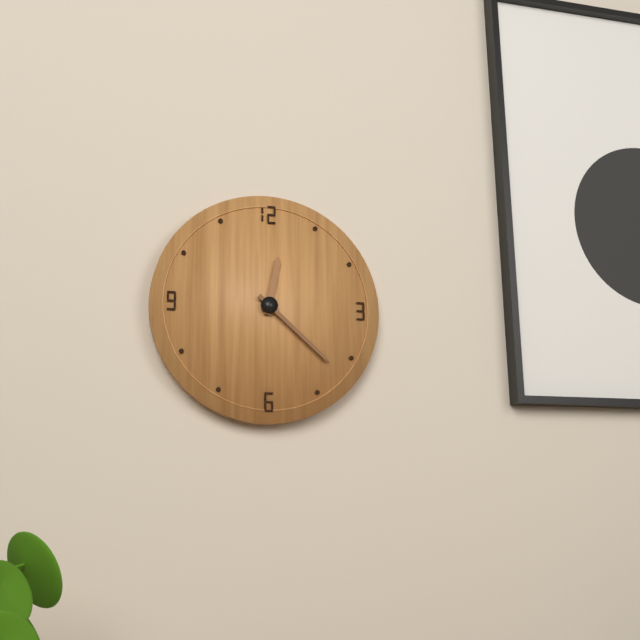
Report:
12,22
